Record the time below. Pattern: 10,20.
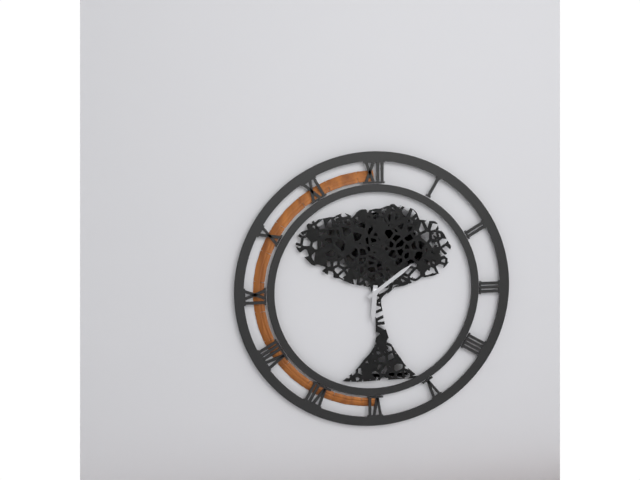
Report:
6,09
